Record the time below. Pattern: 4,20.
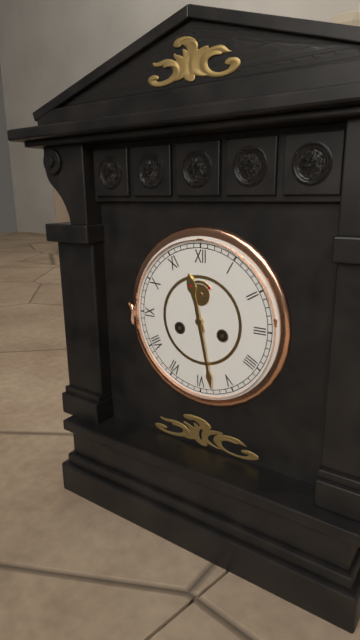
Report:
11,28
